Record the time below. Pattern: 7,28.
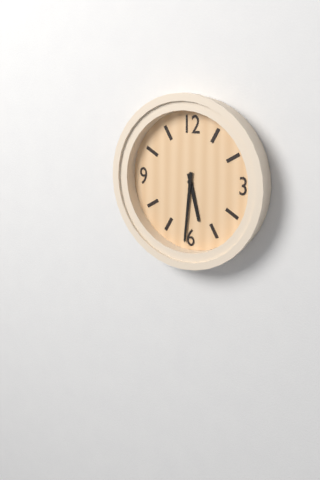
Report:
5,31
